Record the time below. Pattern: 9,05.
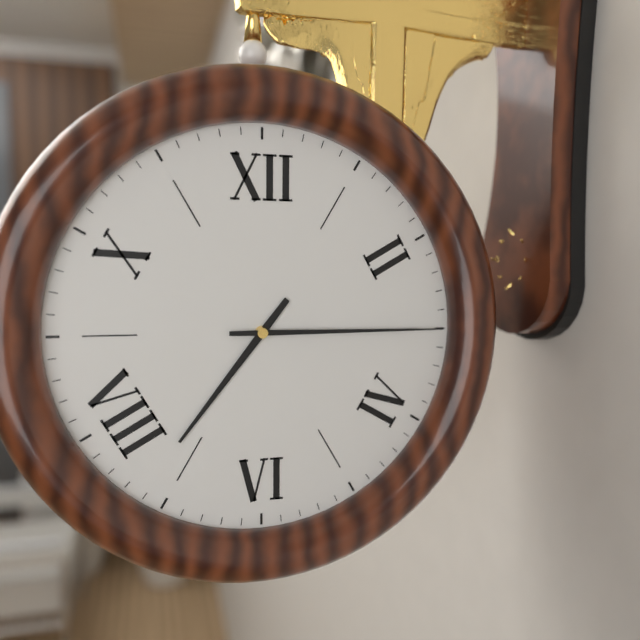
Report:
7,15
